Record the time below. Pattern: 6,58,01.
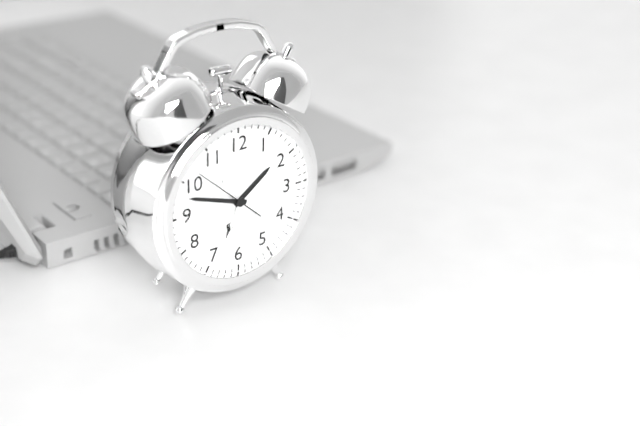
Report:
1,48,52
